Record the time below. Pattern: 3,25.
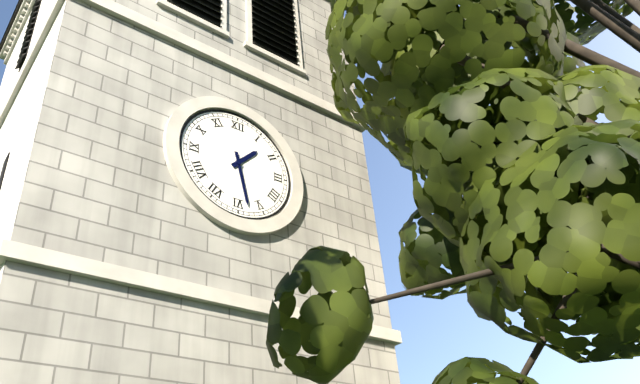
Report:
1,28
